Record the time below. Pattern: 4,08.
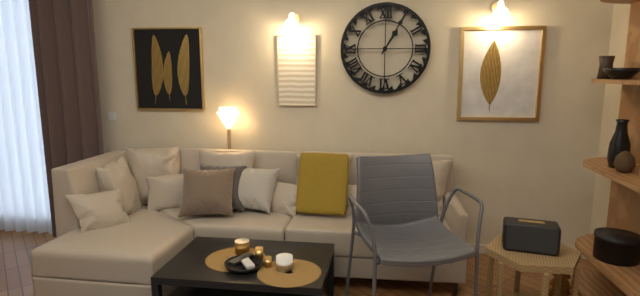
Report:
1,05
